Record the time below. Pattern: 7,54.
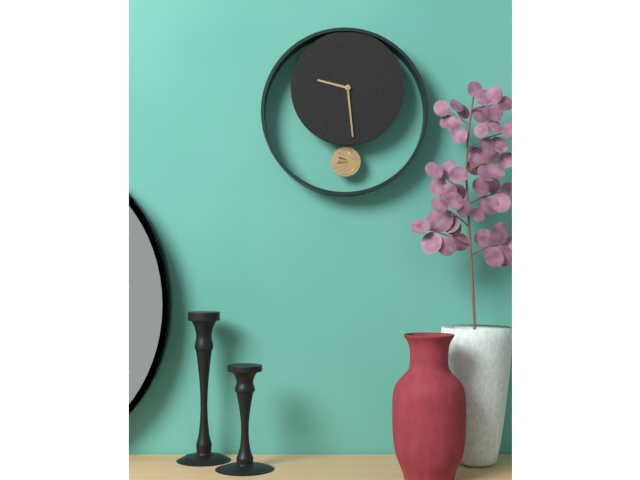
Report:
9,29
